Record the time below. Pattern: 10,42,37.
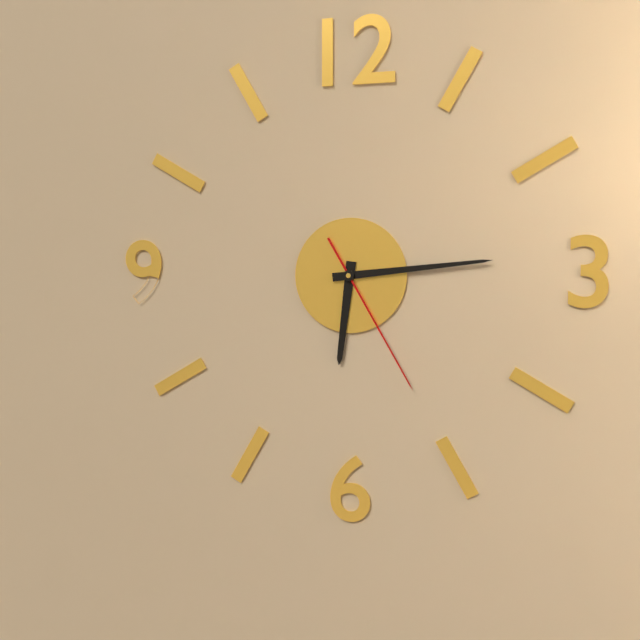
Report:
6,14,25
